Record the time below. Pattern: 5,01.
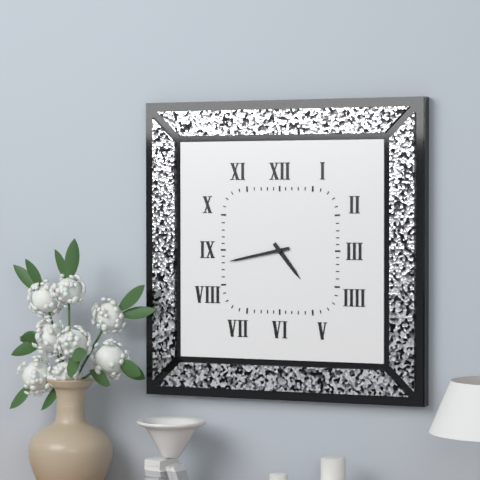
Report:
4,43
